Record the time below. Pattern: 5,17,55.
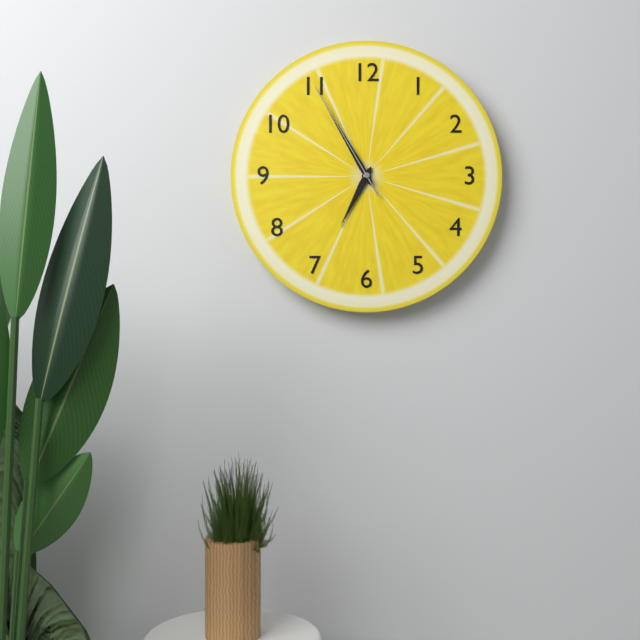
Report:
6,55,55
